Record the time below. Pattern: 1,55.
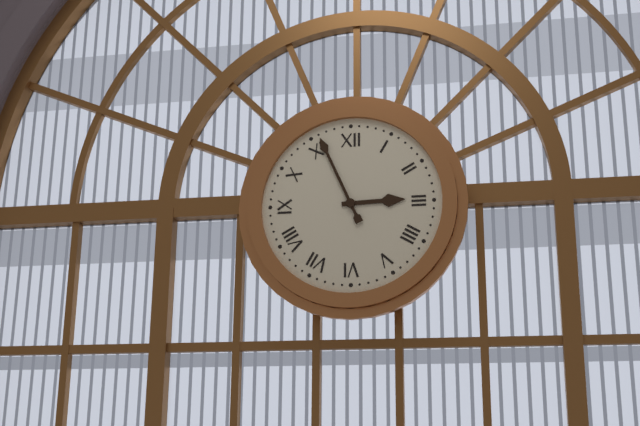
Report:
2,56
